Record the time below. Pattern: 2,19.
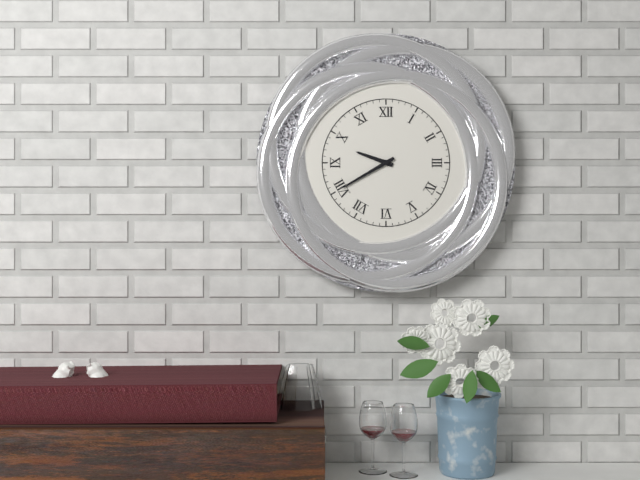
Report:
9,40
